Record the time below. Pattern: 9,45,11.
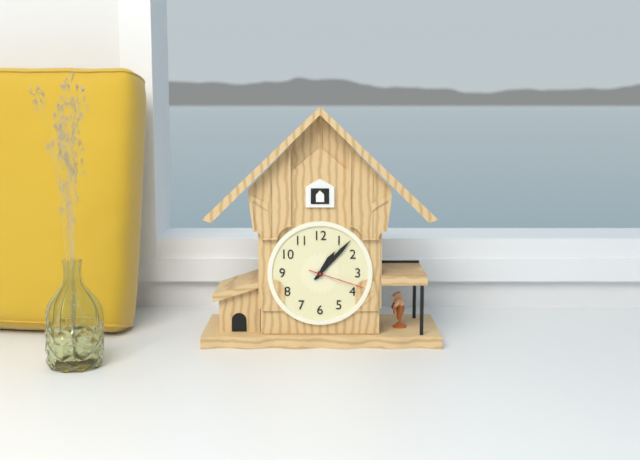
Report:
1,07,18
